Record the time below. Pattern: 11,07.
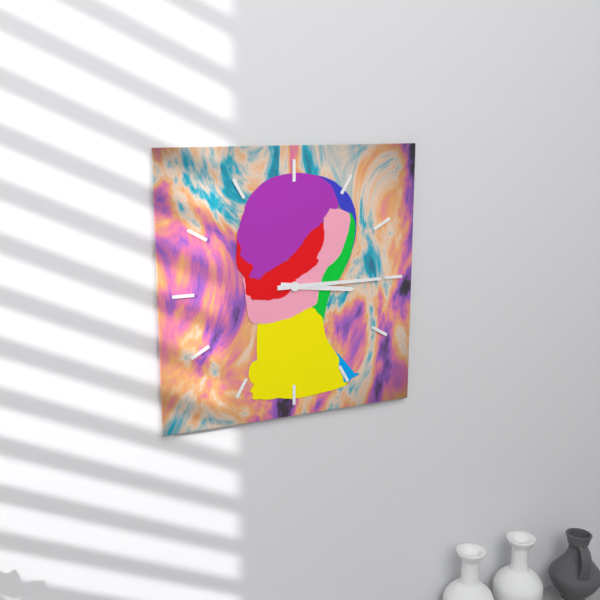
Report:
3,15
